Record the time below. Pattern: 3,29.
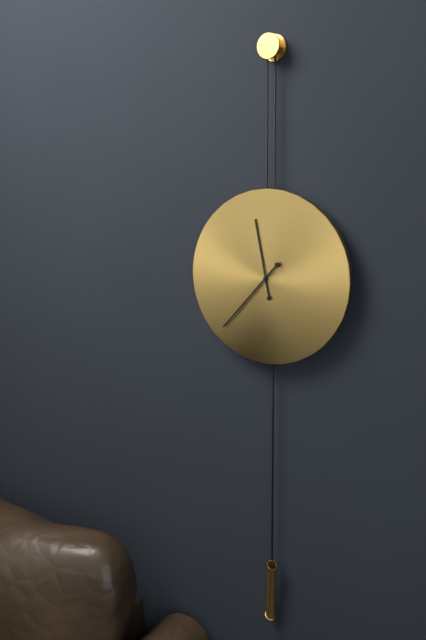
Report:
11,37
